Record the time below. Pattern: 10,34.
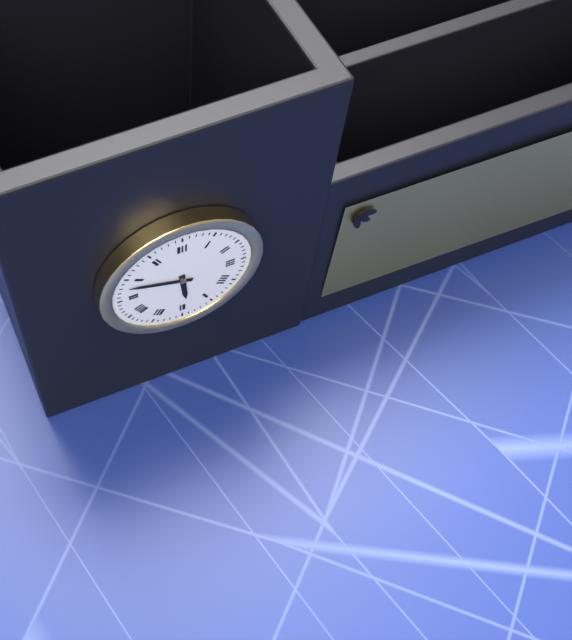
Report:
5,48
